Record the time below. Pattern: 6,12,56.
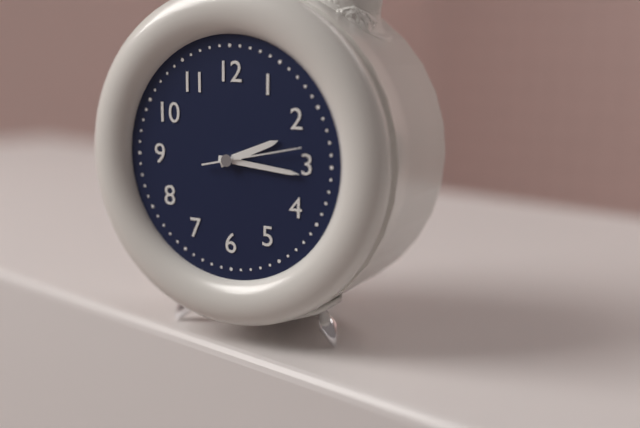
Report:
2,16,13
